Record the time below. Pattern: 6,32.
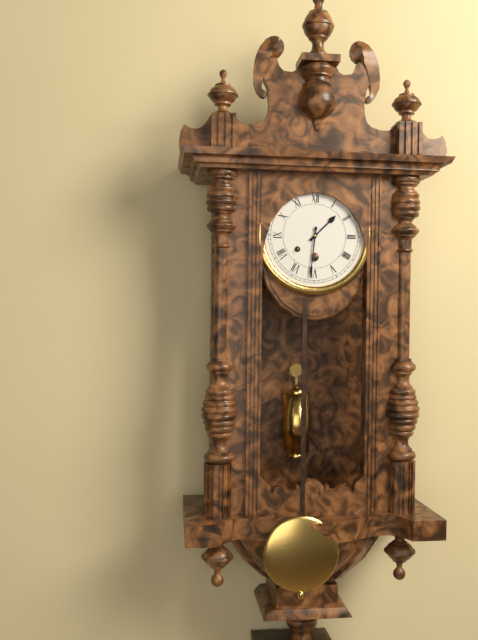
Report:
1,31
